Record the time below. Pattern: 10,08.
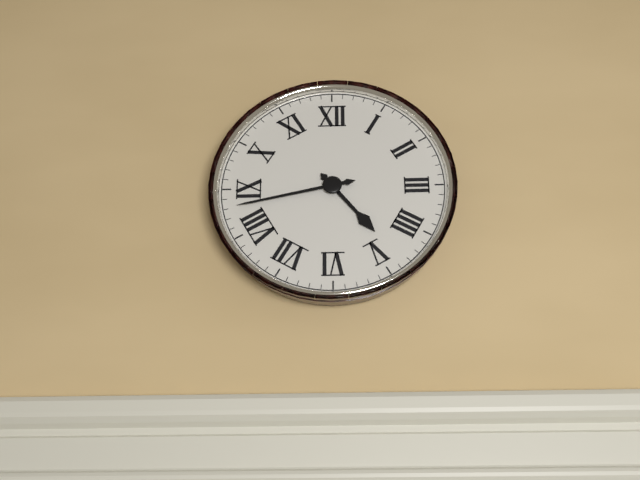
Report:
4,43
